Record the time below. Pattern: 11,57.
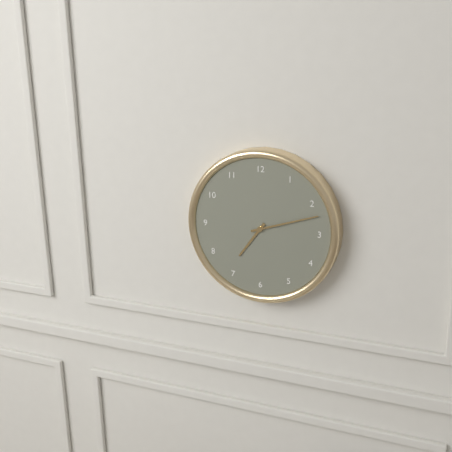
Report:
7,12
